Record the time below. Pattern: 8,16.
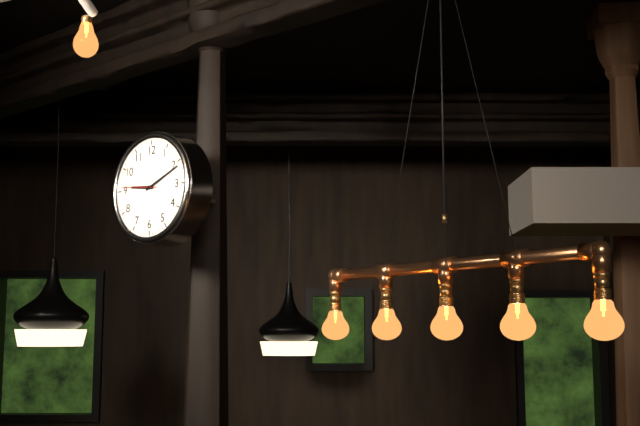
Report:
9,11
